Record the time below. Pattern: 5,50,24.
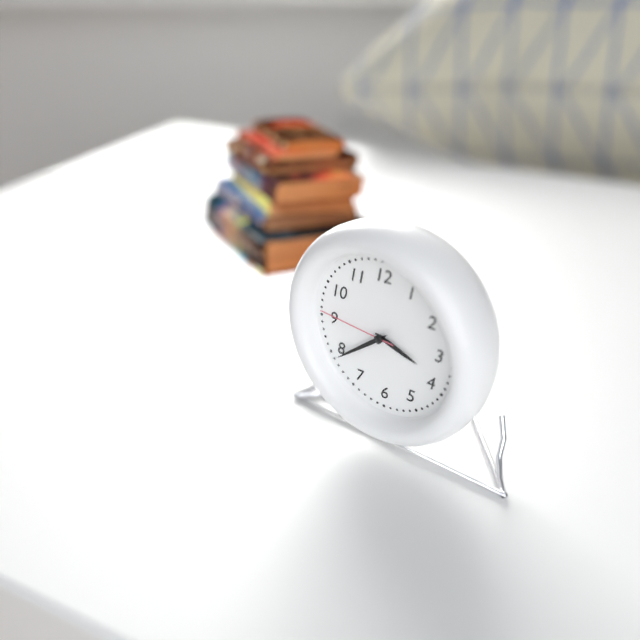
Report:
3,39,46
